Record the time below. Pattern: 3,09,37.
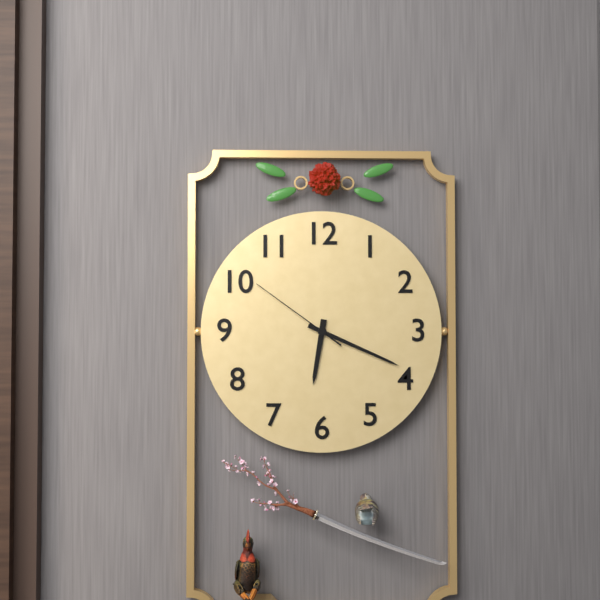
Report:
6,19,51
